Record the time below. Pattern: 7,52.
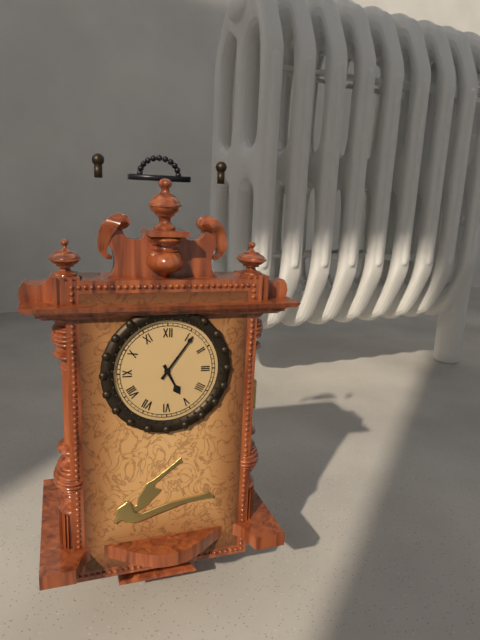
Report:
5,06
